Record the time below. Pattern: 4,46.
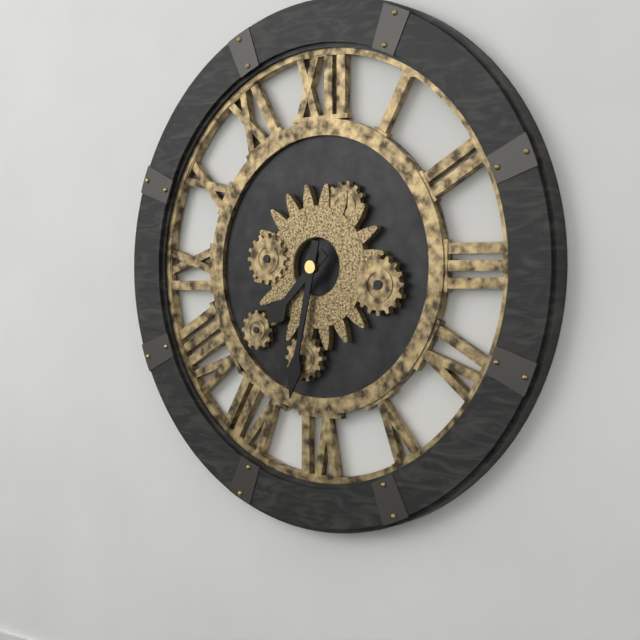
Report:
7,32
